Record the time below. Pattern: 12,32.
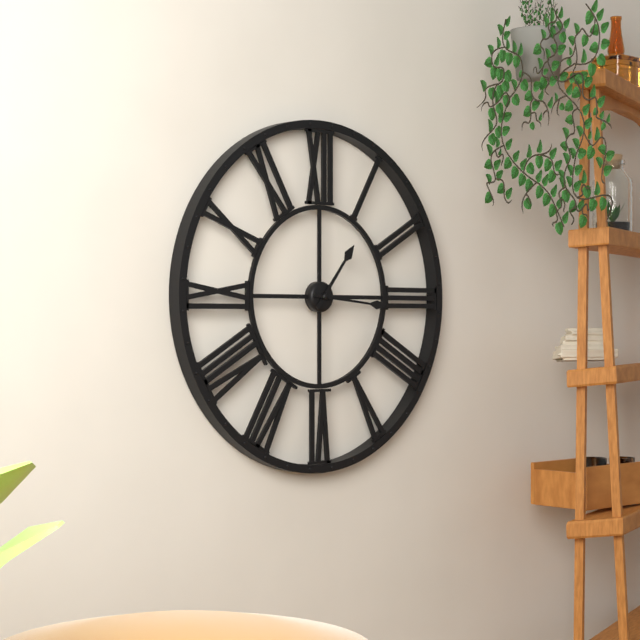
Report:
1,16
